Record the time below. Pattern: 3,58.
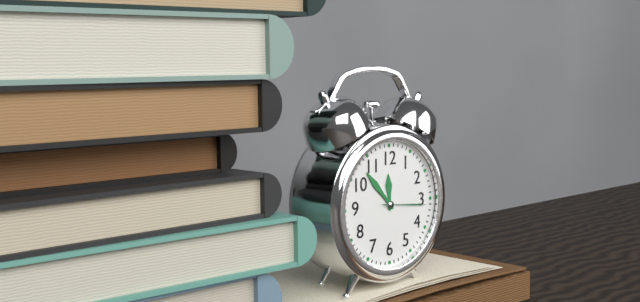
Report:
11,53
